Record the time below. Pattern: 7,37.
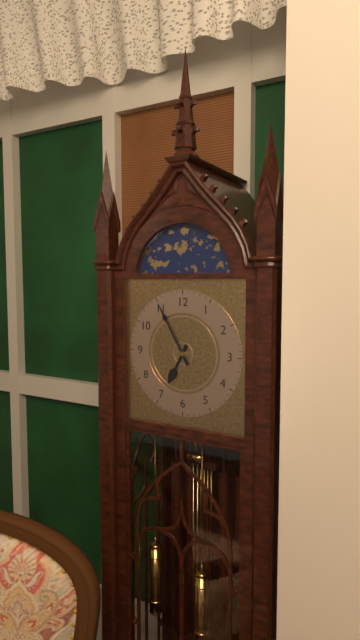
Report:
6,55
